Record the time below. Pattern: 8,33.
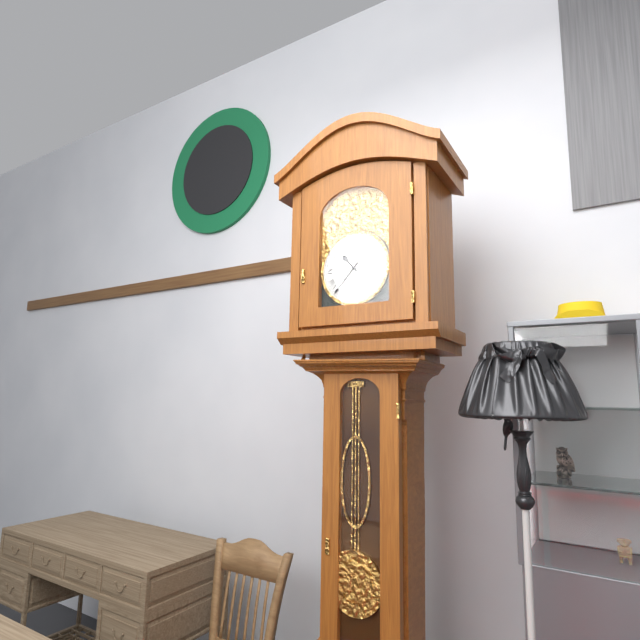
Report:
10,37
